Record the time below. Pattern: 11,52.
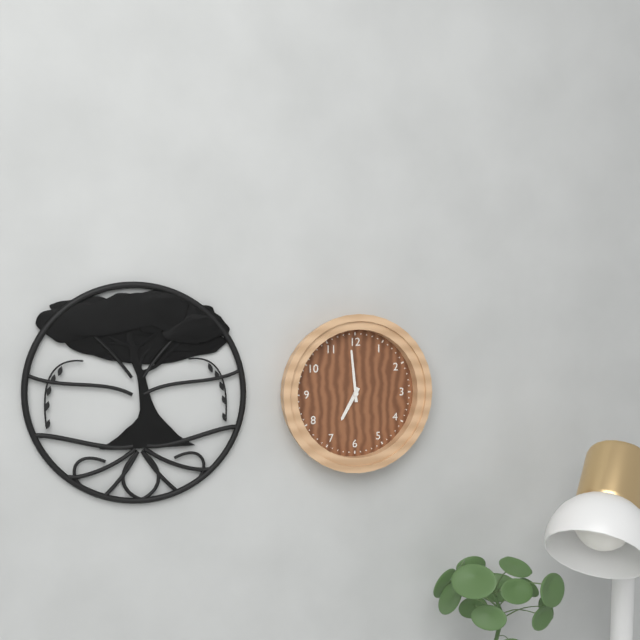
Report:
6,59
